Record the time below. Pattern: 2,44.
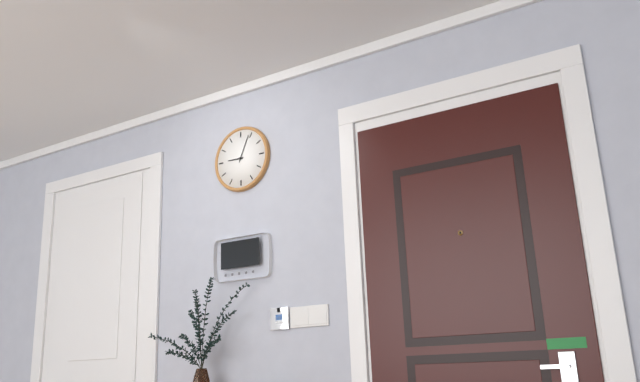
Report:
9,04
